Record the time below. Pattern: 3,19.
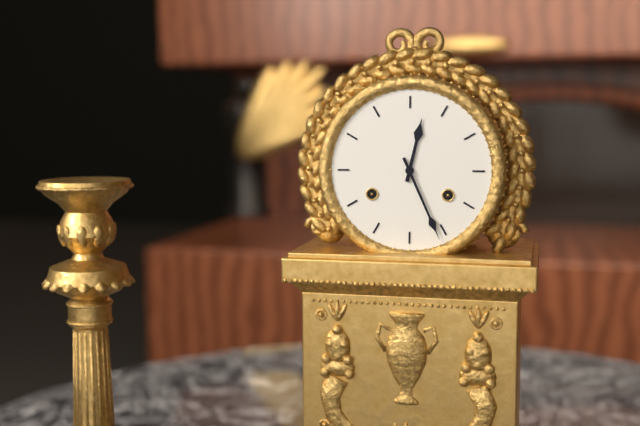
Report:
12,26
